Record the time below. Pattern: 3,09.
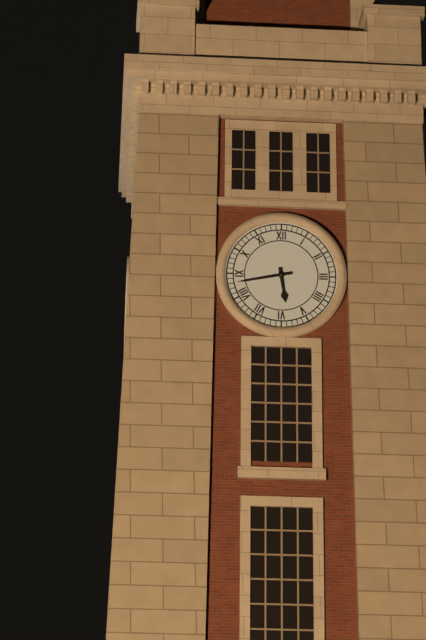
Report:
5,43
